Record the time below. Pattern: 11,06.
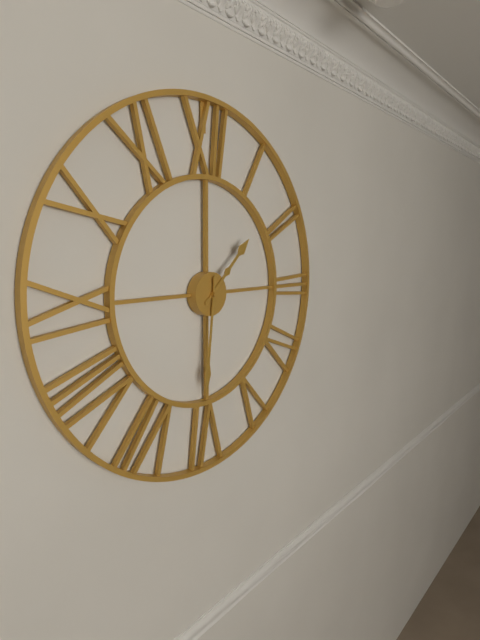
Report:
1,31
